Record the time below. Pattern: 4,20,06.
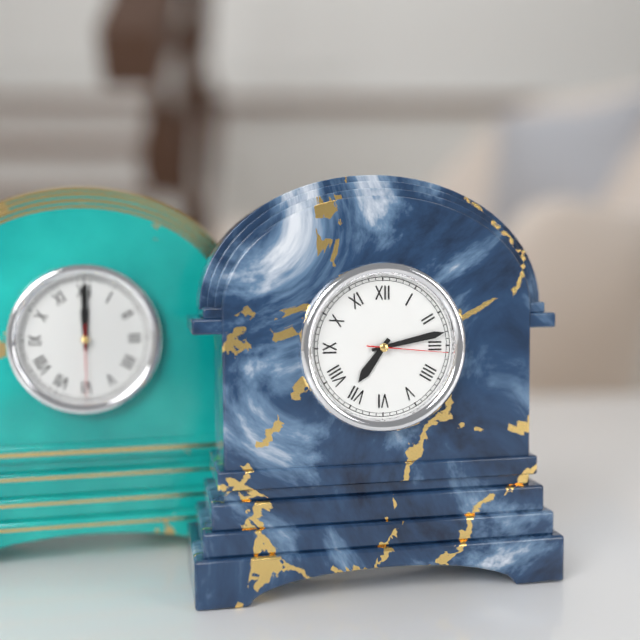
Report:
7,13,16
